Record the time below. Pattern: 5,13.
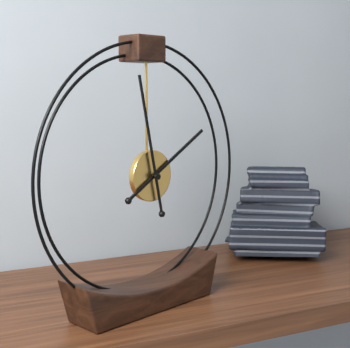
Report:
1,58
